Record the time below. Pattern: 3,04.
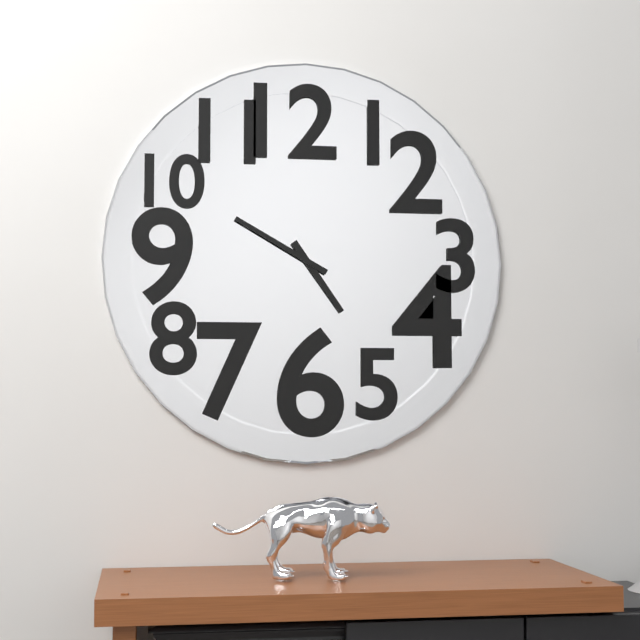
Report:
4,50
